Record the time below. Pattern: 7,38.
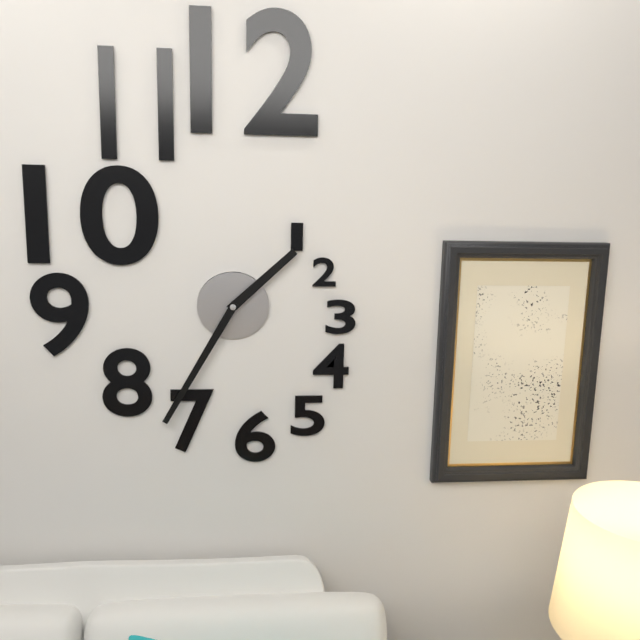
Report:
1,35
